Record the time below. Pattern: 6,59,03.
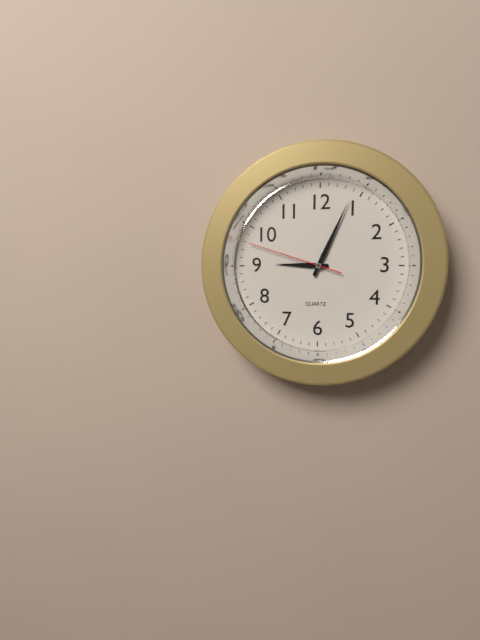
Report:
9,04,48
